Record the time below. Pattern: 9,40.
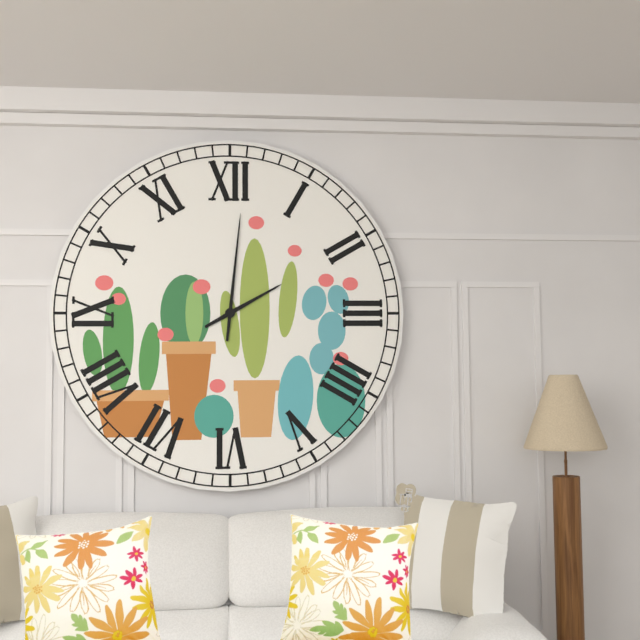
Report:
2,01
